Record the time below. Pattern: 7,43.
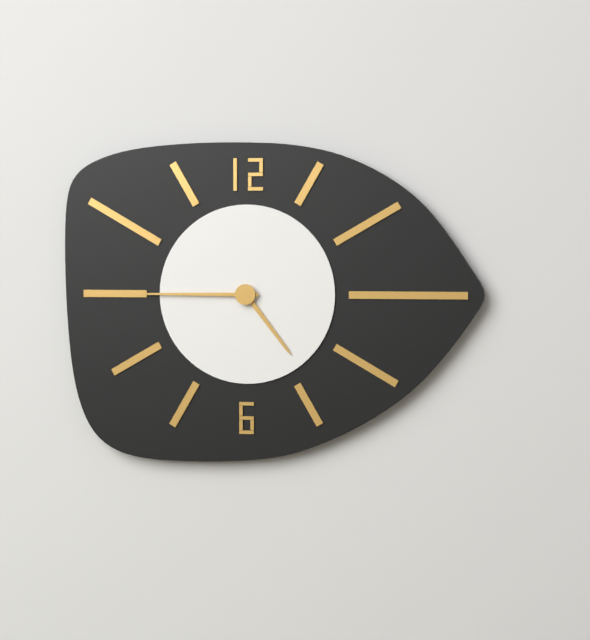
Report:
4,45
